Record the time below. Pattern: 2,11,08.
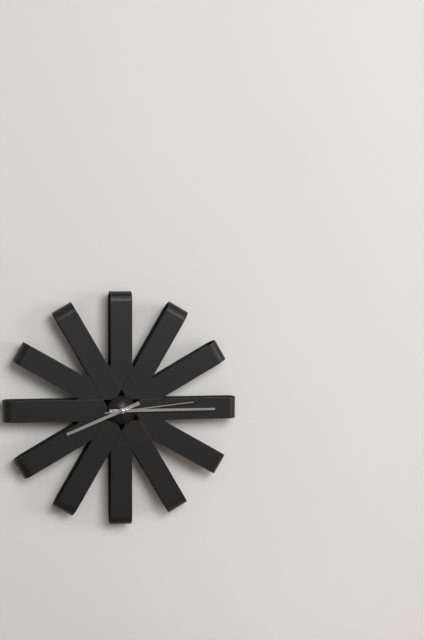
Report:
8,15,14
